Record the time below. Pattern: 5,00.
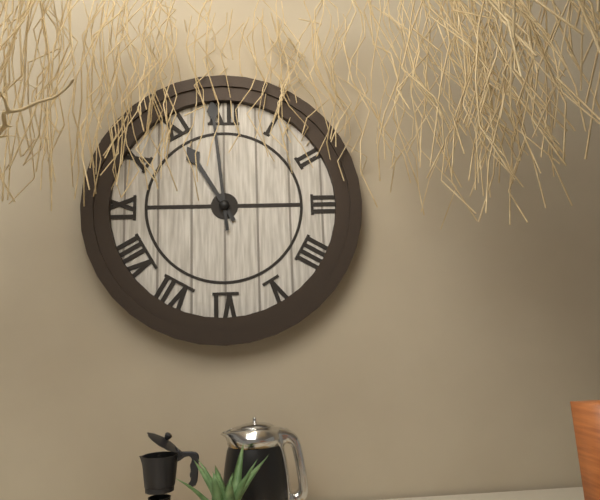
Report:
10,59
